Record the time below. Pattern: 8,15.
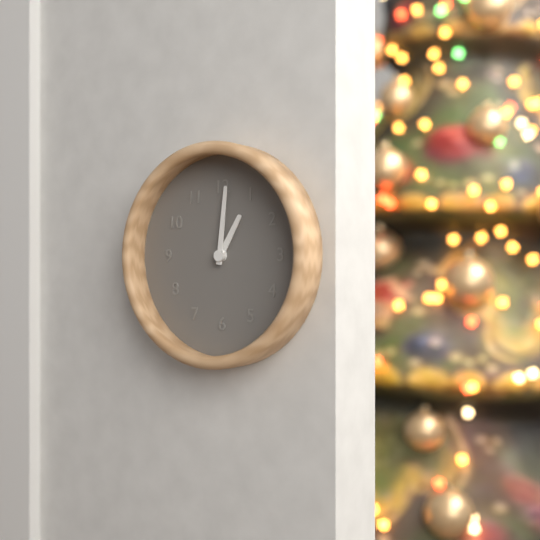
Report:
1,01
